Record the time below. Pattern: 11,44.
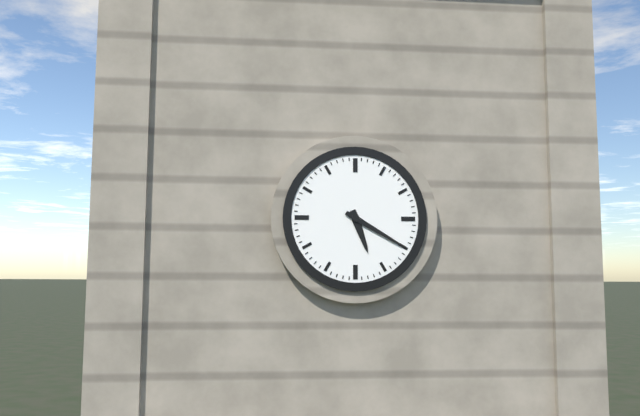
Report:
5,20
